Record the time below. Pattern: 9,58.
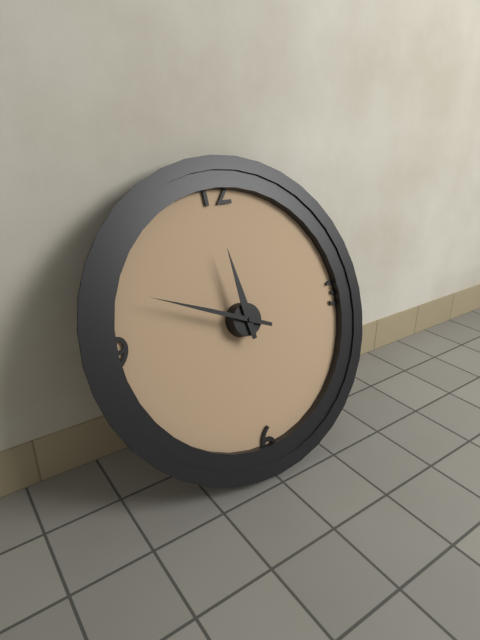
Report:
11,49
